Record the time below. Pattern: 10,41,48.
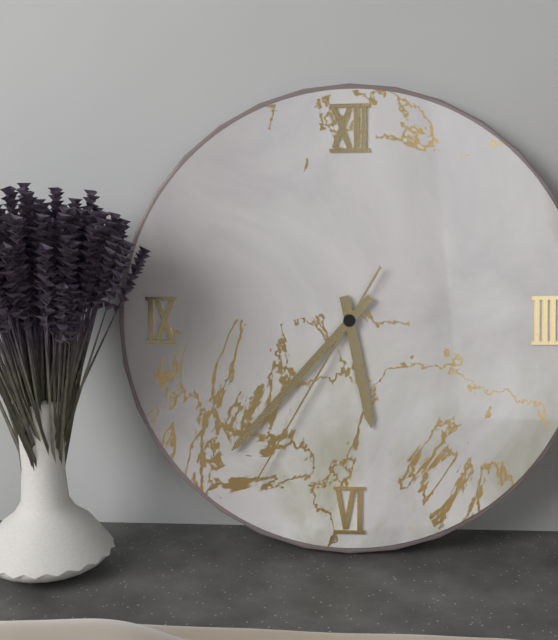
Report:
5,37,35
